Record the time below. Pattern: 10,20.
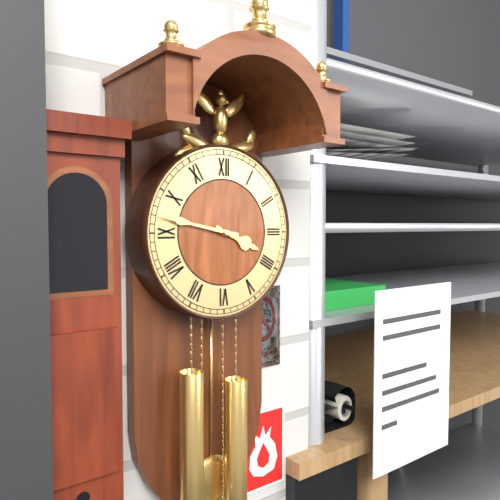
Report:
3,47
